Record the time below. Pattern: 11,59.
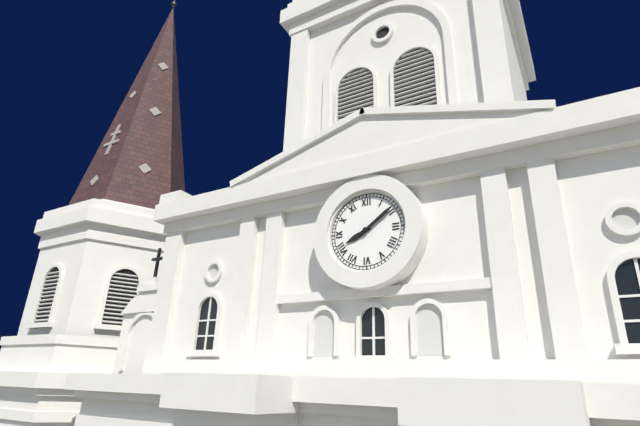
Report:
8,09
